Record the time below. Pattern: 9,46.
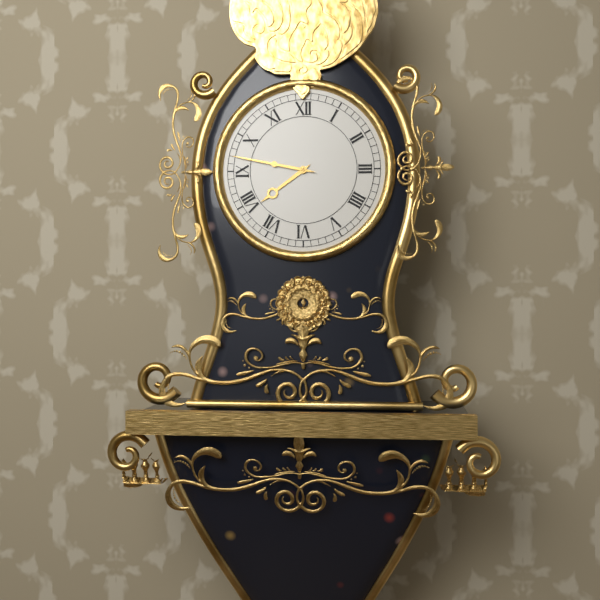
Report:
7,47
